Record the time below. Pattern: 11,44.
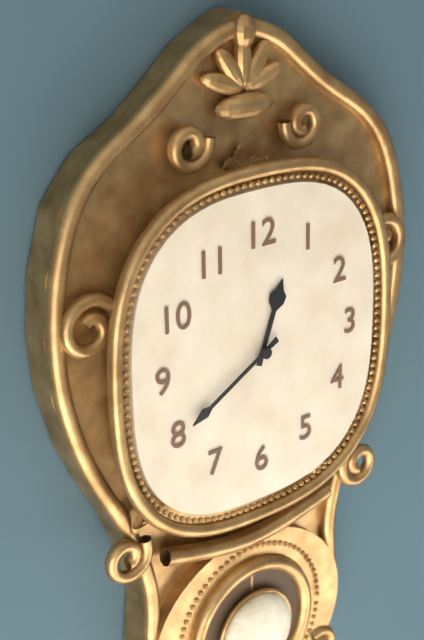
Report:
12,40
